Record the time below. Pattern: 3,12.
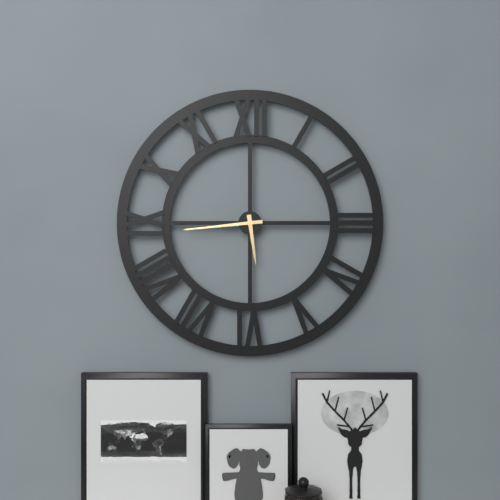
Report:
5,44
